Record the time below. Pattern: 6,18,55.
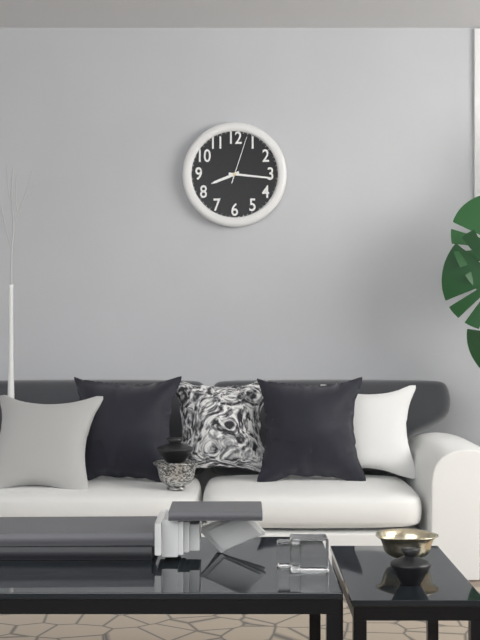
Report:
8,16,03
